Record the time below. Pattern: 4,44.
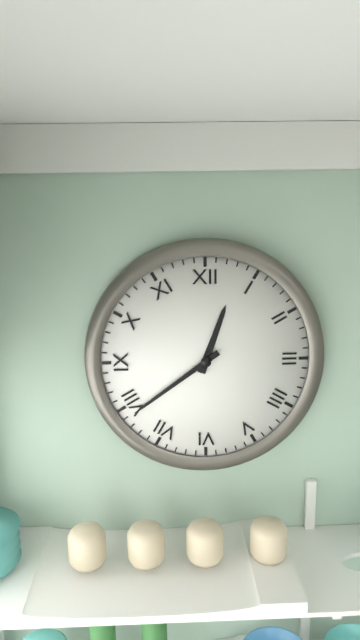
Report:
12,39
